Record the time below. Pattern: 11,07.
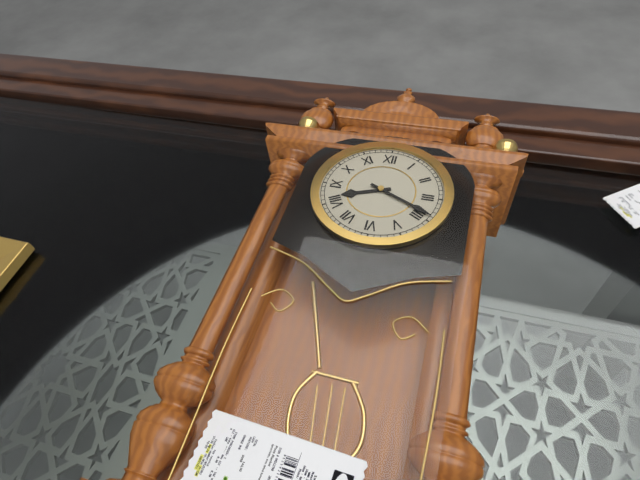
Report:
8,19
